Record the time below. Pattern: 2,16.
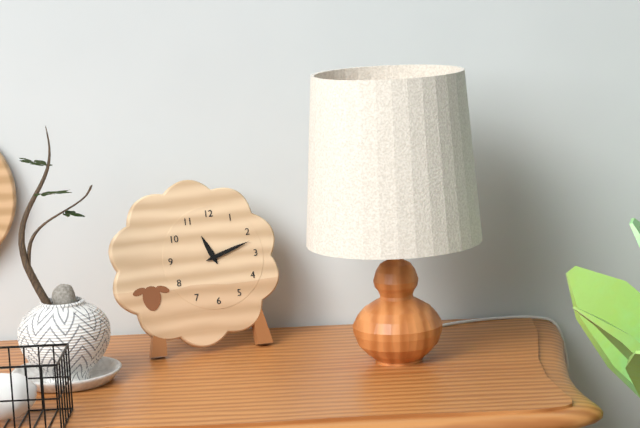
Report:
11,12
